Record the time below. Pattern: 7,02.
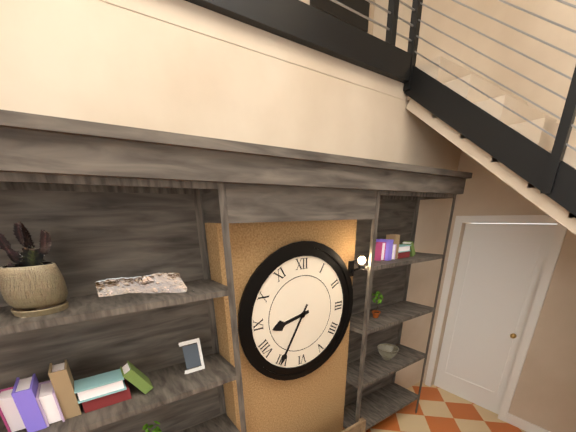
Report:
8,35
